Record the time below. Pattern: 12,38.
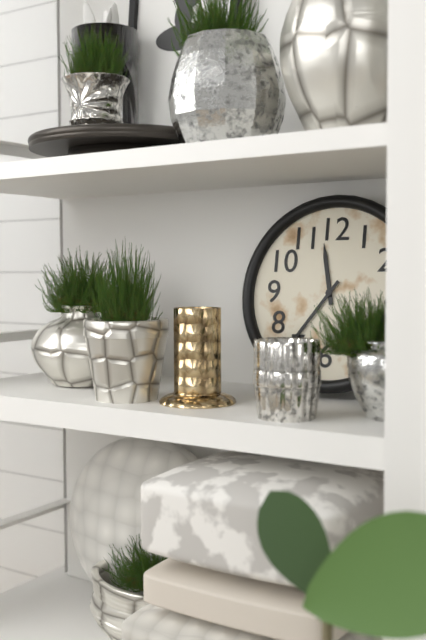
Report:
11,36
